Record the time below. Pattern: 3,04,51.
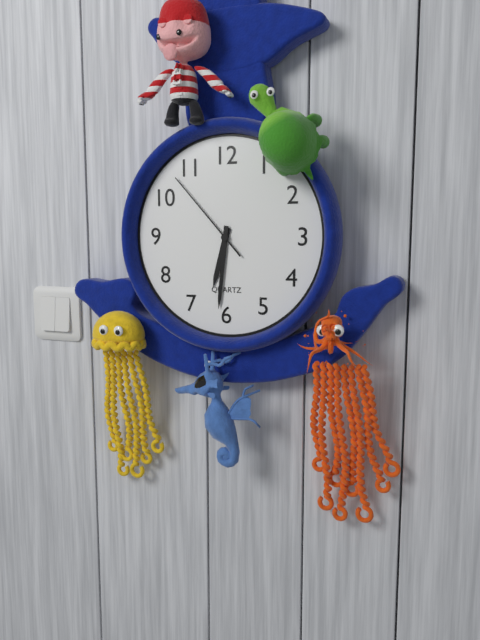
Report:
6,31,53
